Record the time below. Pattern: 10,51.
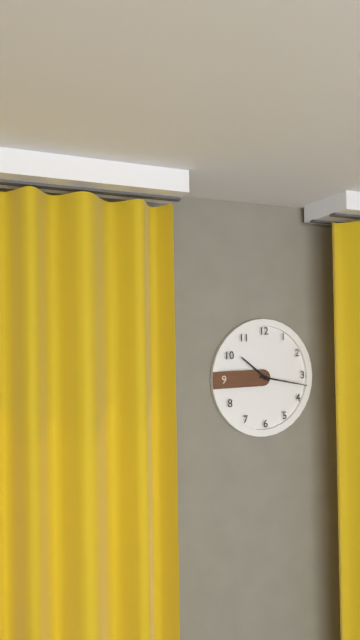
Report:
10,17
